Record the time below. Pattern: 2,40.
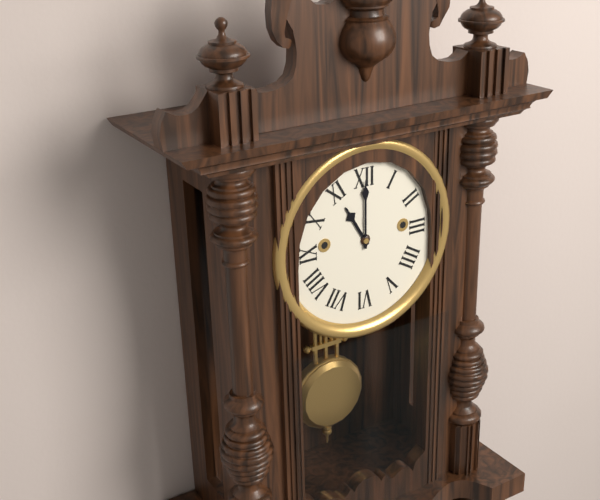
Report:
11,00
